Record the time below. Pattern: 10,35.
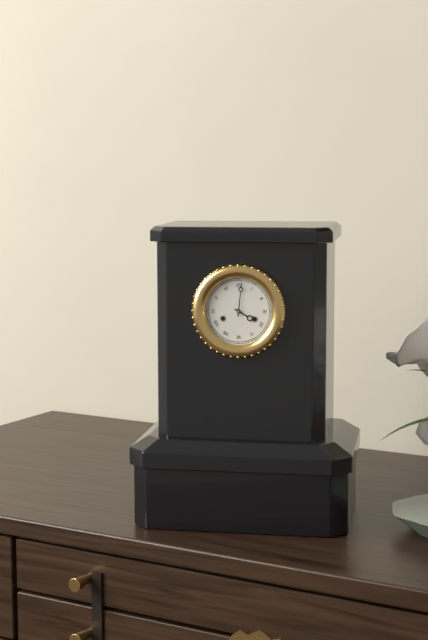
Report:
4,01
